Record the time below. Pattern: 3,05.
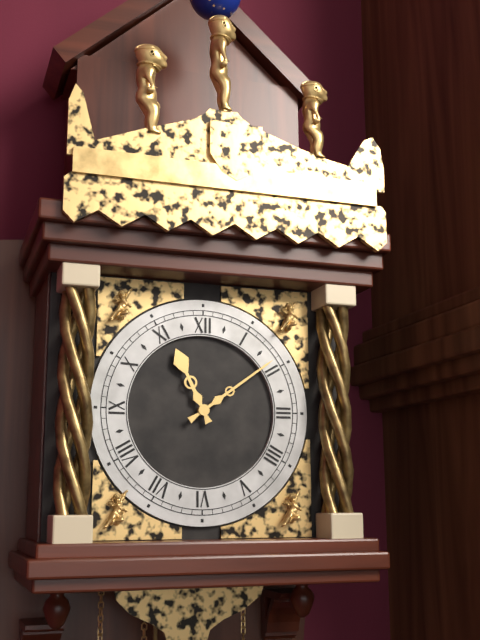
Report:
11,09
